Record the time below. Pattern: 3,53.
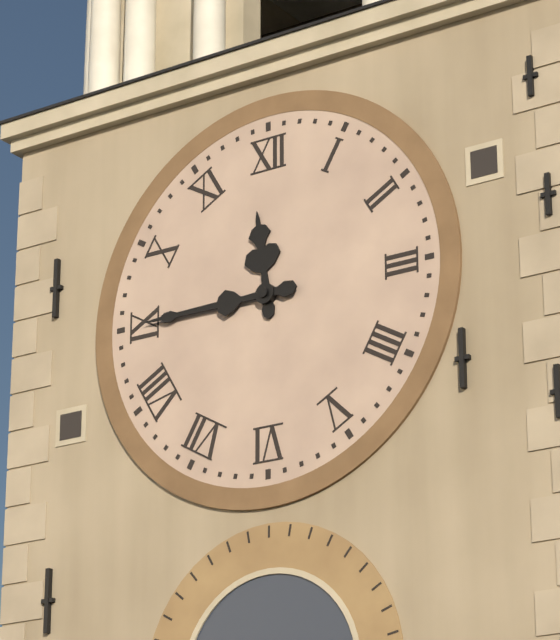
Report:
11,45
